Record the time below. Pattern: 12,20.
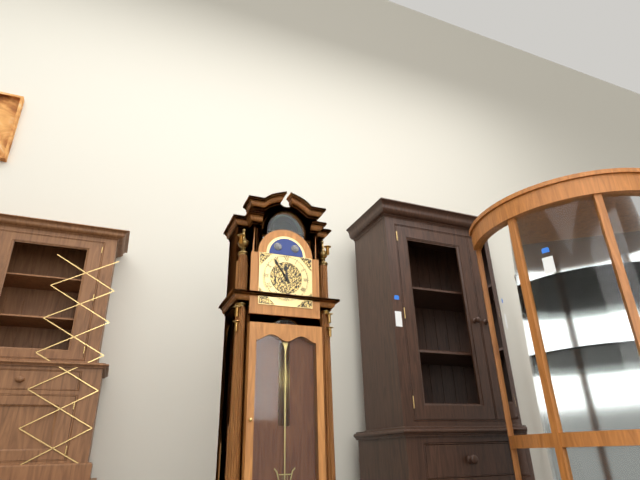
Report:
11,54
